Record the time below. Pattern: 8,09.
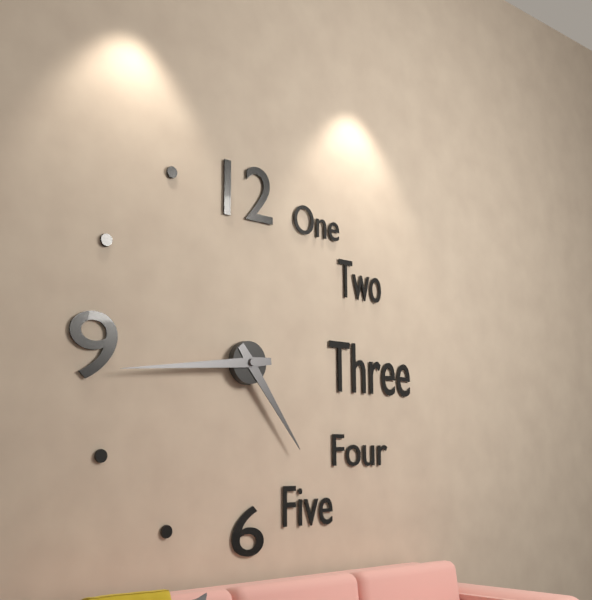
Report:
4,44
